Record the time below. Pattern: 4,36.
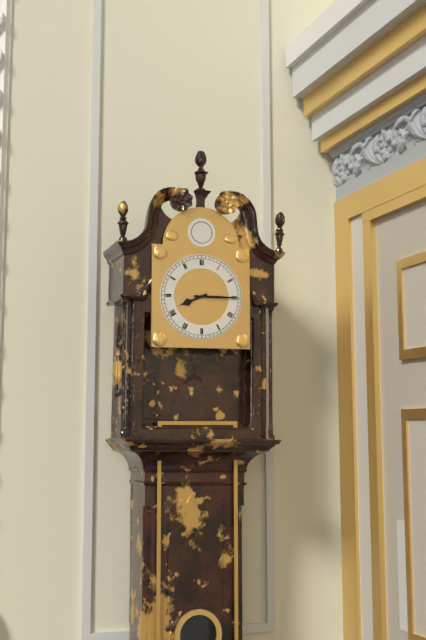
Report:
8,15
